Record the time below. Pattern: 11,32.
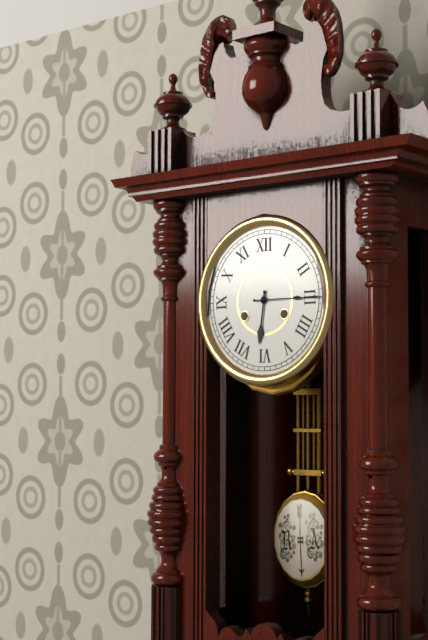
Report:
6,15
